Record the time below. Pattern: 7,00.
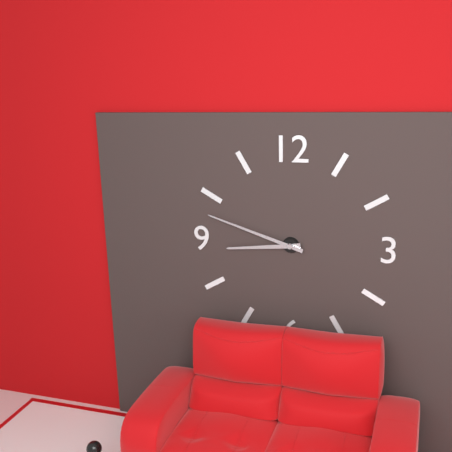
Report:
8,48
